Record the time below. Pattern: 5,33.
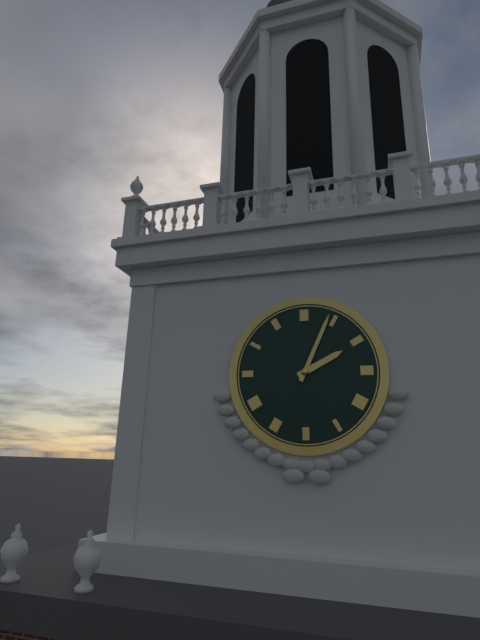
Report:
2,04
